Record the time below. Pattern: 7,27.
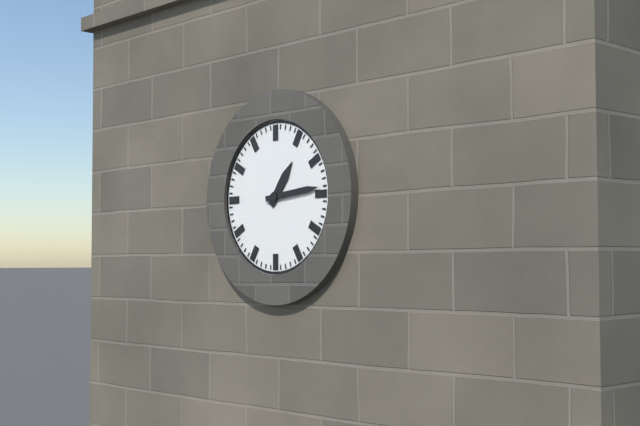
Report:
1,14
